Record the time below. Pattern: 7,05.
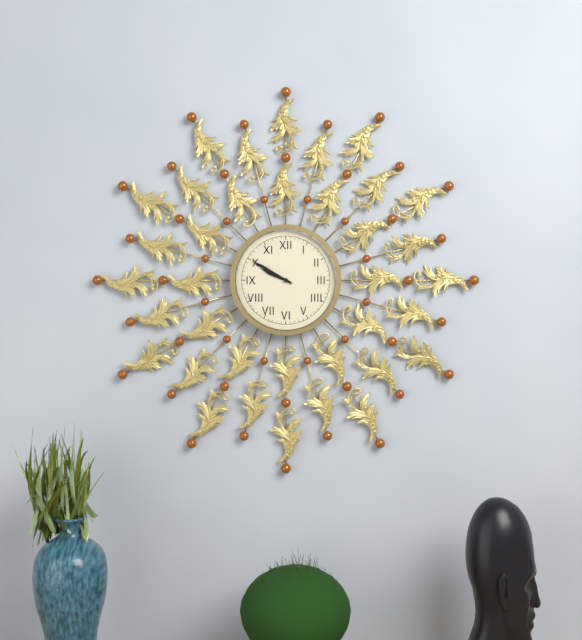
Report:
9,50
